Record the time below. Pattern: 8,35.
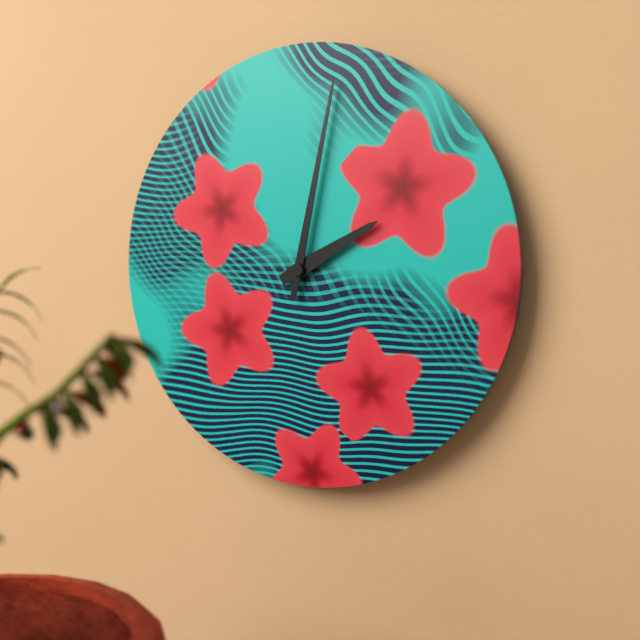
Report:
2,02
